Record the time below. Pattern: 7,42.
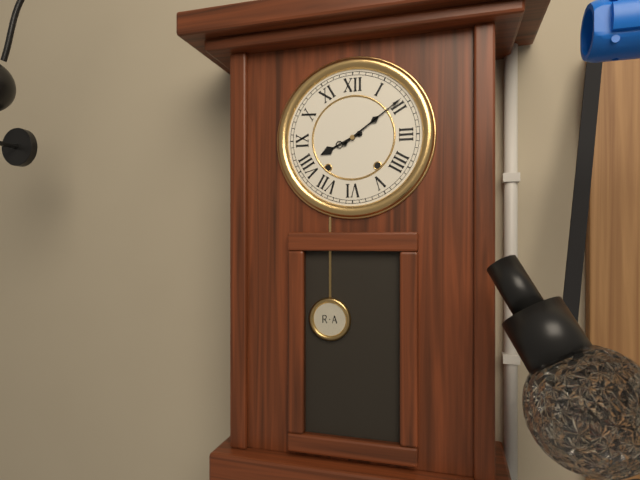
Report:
8,09
